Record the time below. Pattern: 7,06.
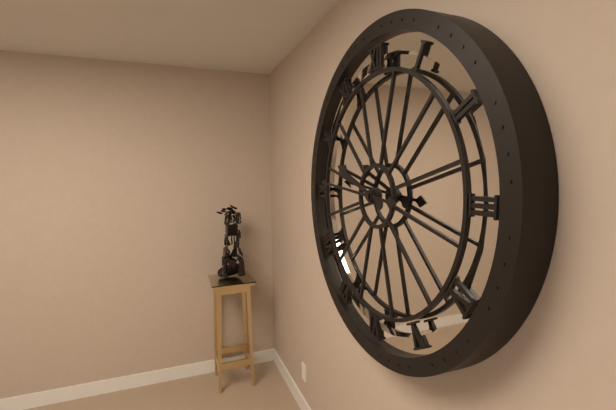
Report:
9,46
